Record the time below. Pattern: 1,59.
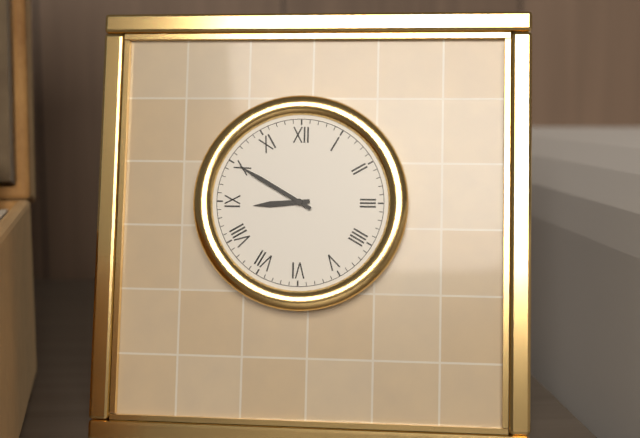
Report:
8,50
